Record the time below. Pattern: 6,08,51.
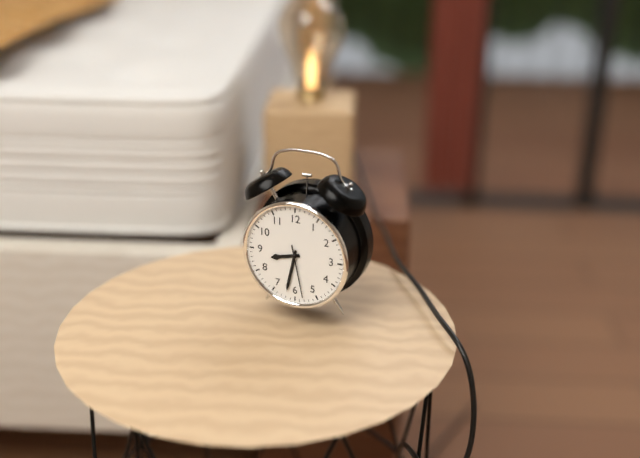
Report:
8,32,28
